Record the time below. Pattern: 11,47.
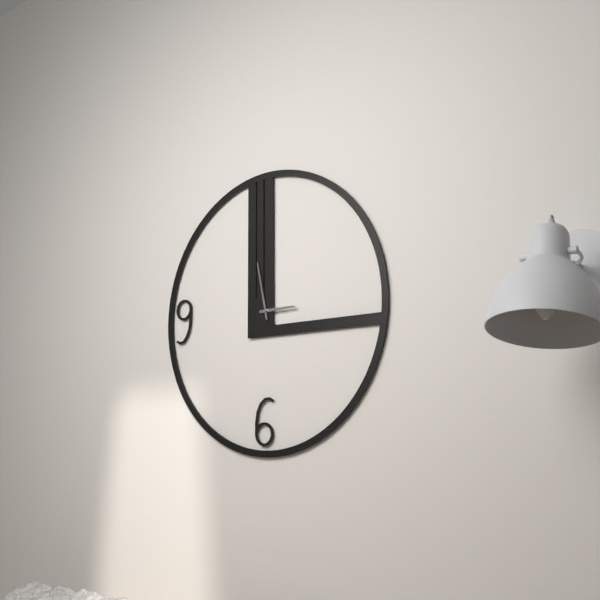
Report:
2,58
